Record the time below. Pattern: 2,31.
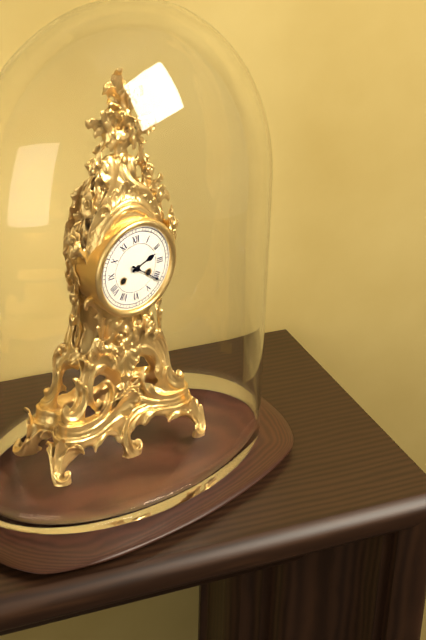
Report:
2,21
